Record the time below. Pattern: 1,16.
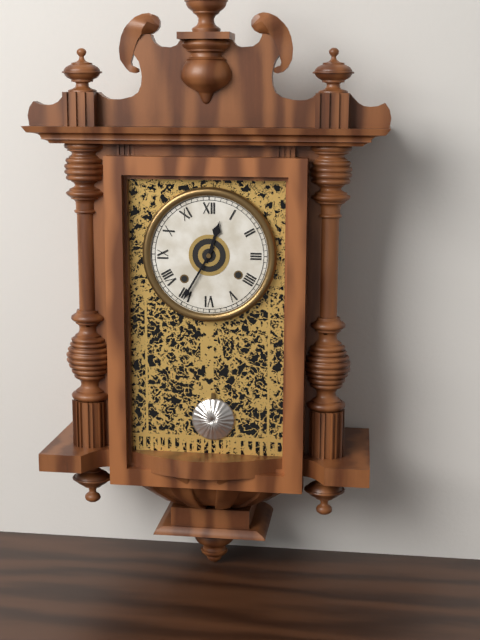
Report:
12,35
